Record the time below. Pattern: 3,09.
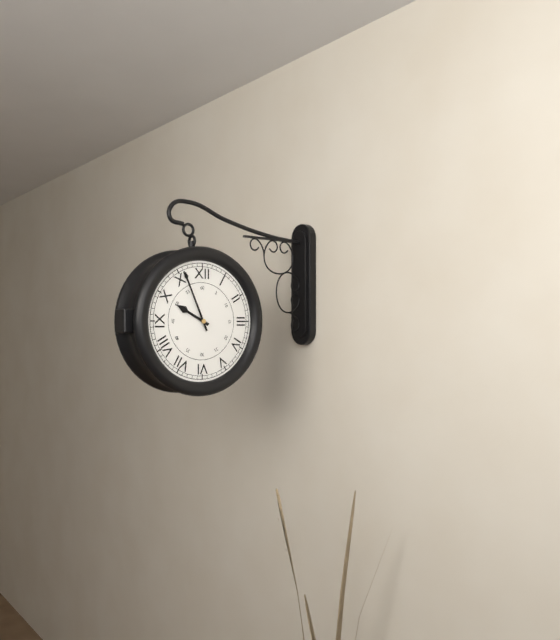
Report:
9,56
